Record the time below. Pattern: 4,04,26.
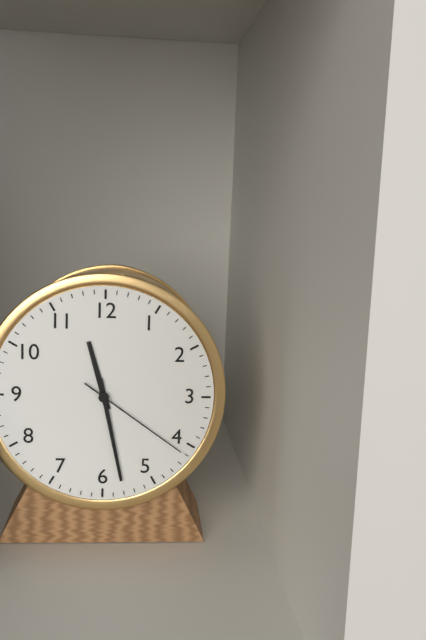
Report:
11,28,21
